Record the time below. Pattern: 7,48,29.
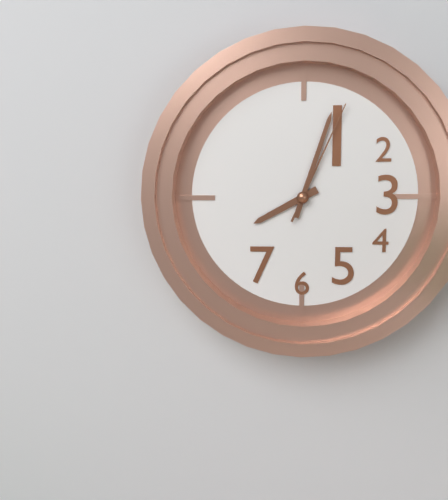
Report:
8,03,04
